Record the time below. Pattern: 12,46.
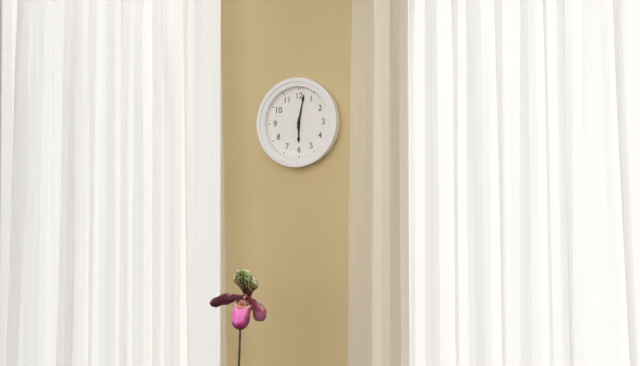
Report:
6,02
